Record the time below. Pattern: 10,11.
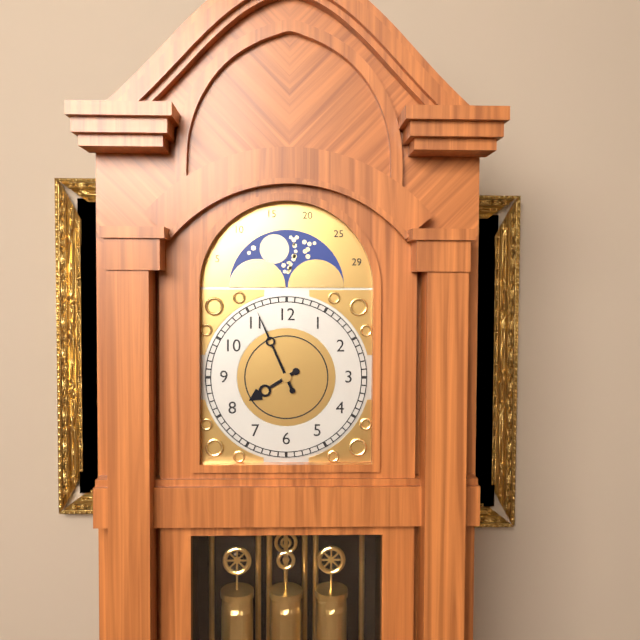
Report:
7,56
